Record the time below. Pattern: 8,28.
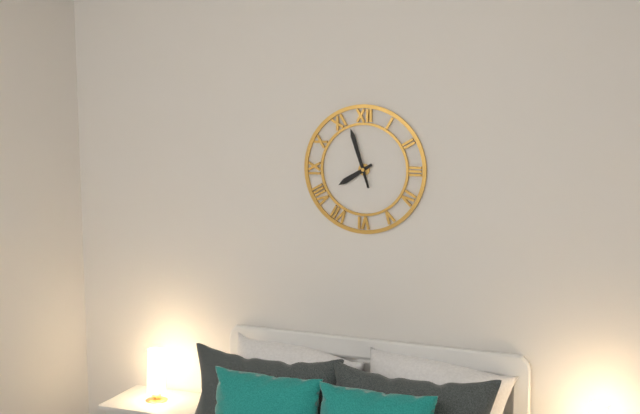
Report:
7,57
